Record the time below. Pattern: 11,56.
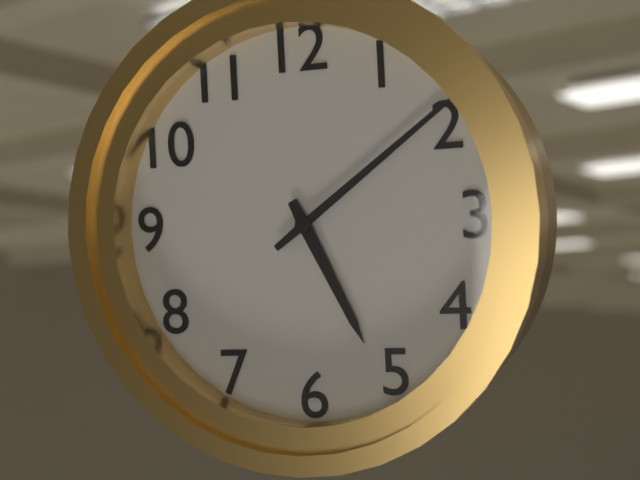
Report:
5,09
